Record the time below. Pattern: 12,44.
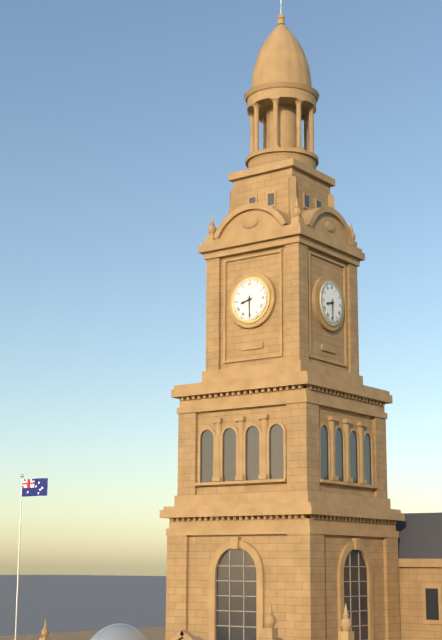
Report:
8,30
